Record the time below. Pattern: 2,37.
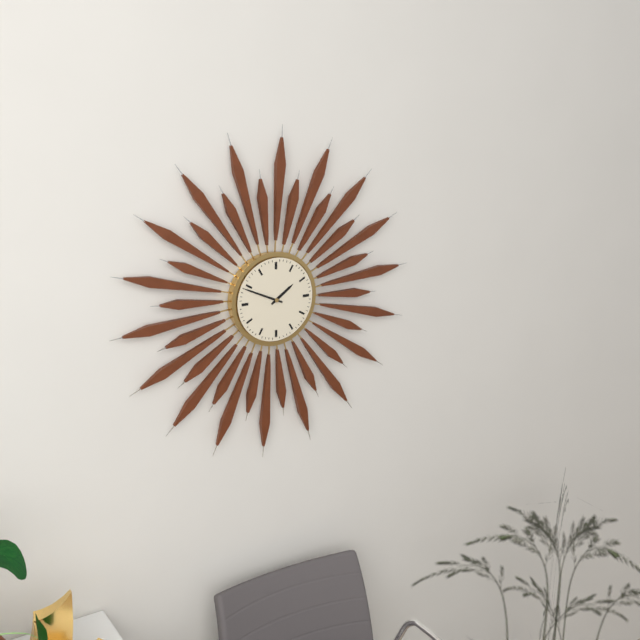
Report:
1,49
